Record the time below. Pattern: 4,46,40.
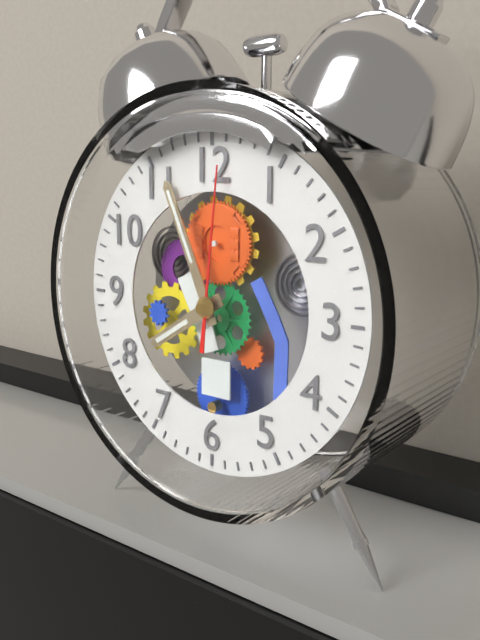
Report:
7,56,01
